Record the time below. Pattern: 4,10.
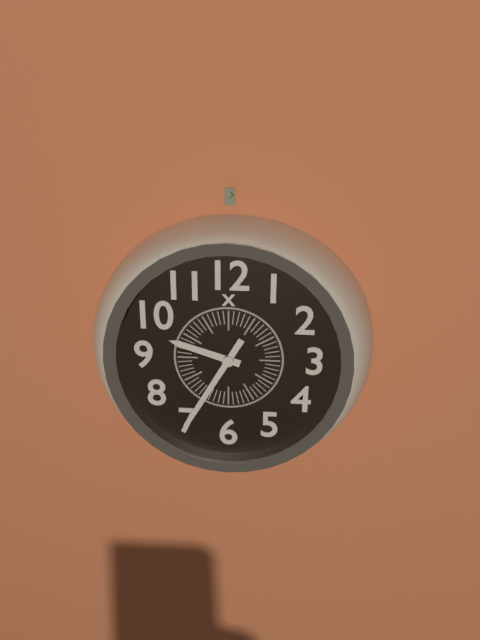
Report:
9,35
